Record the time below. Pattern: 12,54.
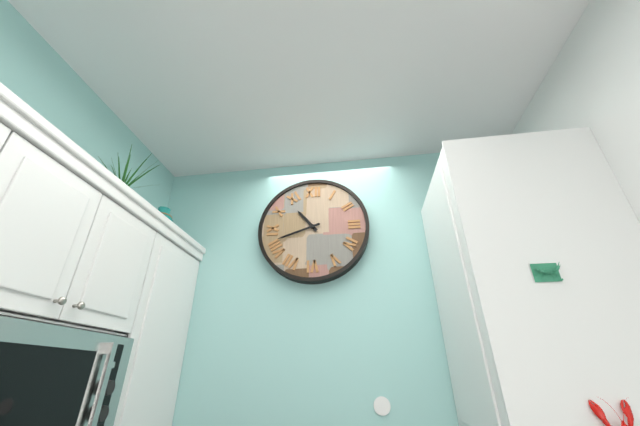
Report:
10,42
